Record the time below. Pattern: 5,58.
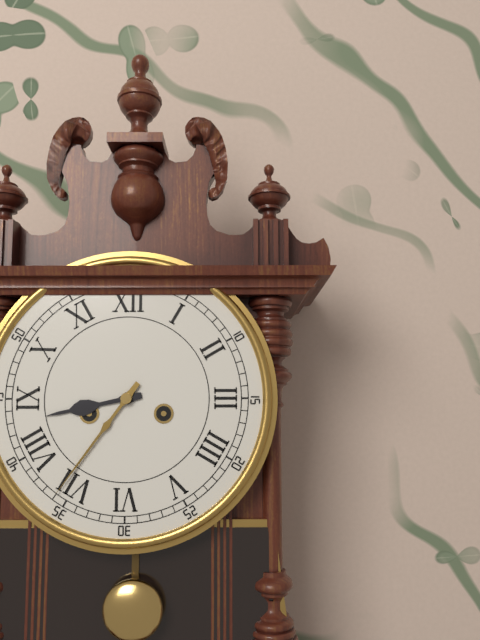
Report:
8,36
